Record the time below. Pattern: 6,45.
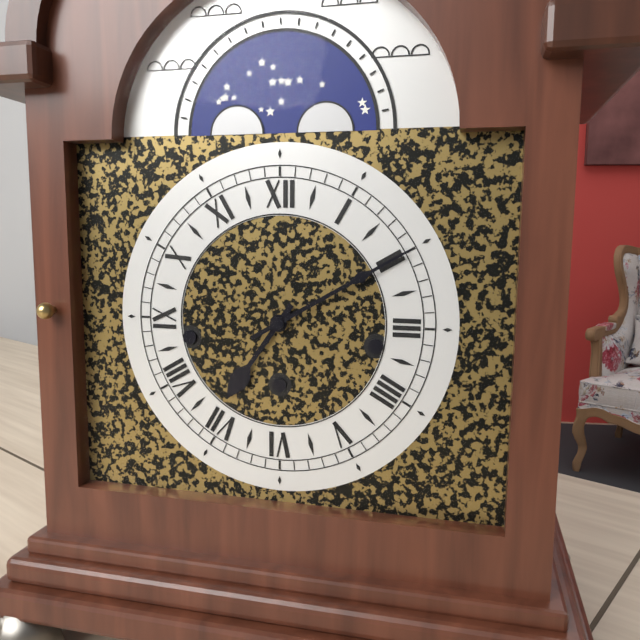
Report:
7,10
